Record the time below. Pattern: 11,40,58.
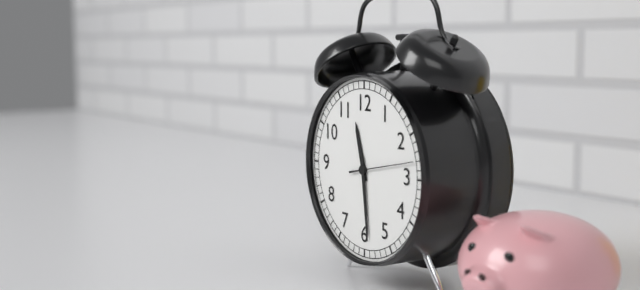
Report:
11,29,13
